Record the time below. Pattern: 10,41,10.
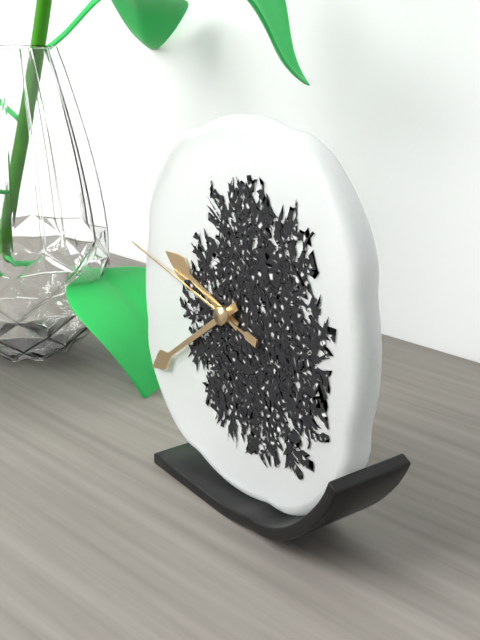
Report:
9,39,47
